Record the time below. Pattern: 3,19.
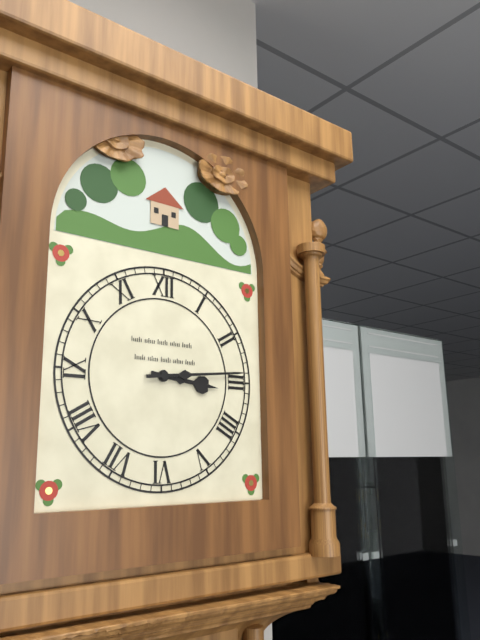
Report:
3,14
